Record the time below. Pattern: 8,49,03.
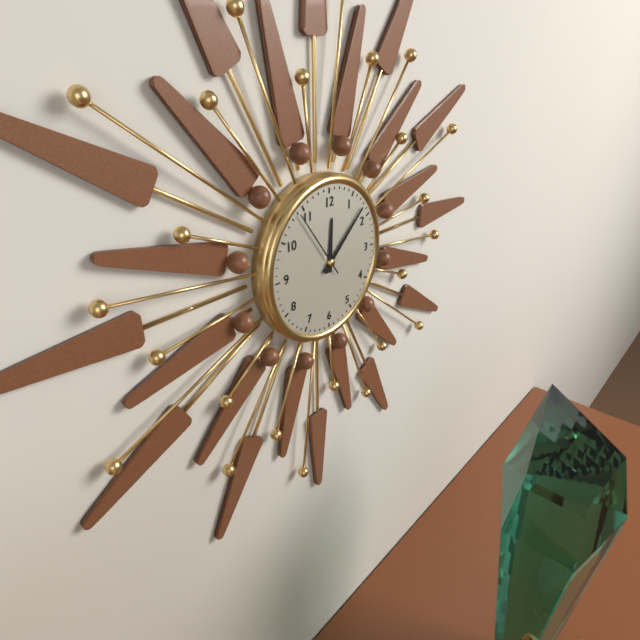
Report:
12,08,54
